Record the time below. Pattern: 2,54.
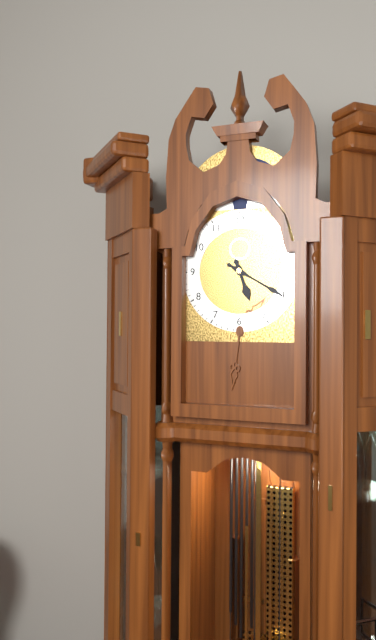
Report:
5,20
